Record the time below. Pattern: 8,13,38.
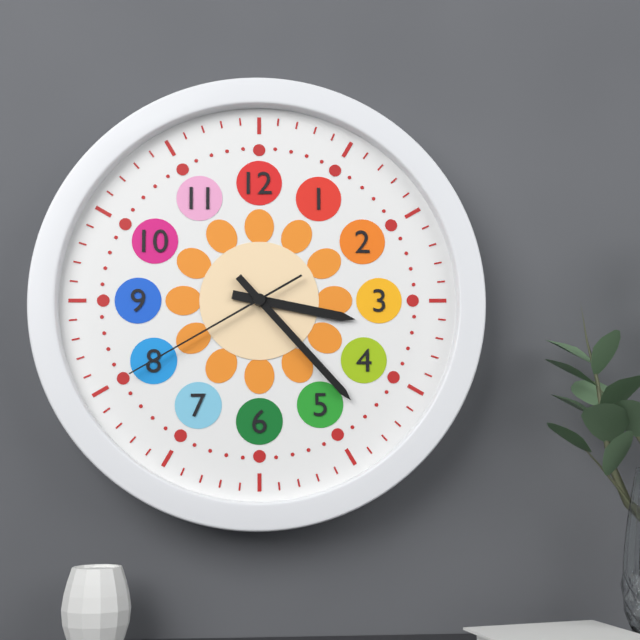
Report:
3,23,40
